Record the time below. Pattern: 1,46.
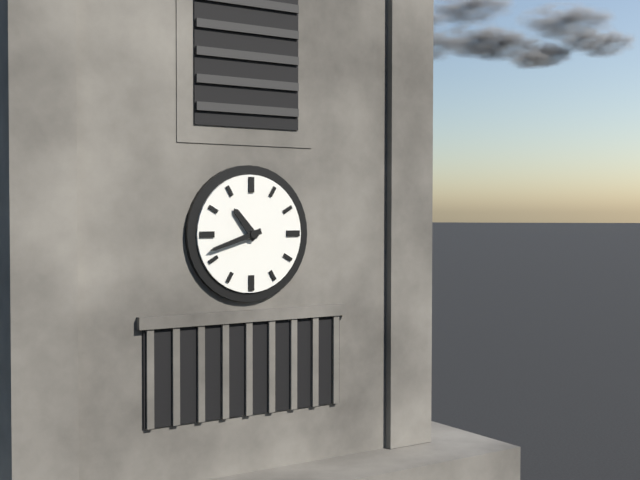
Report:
10,42
